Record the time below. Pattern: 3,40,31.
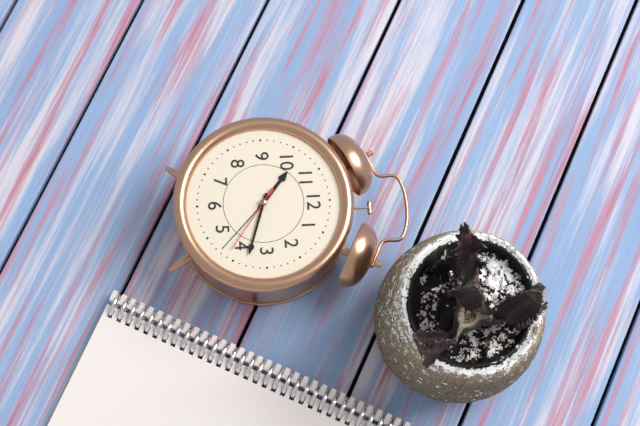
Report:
10,18,21
